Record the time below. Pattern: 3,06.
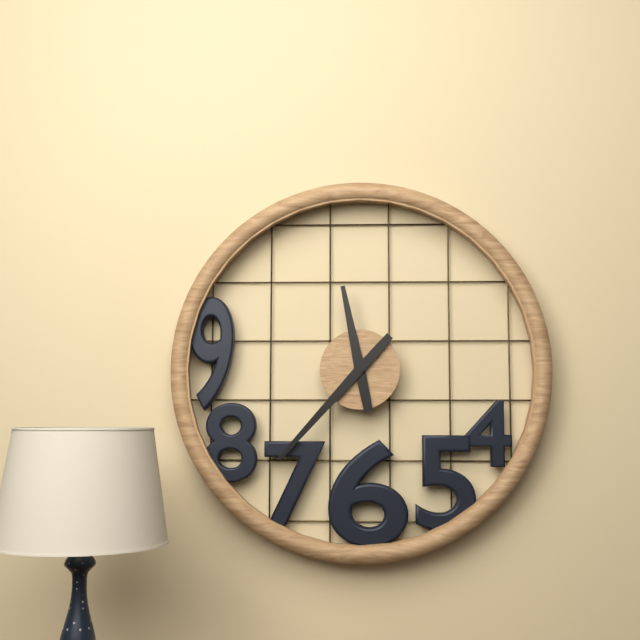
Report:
11,37
